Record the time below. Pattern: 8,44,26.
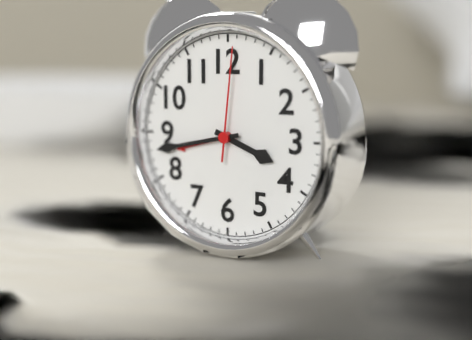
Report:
3,43,01
